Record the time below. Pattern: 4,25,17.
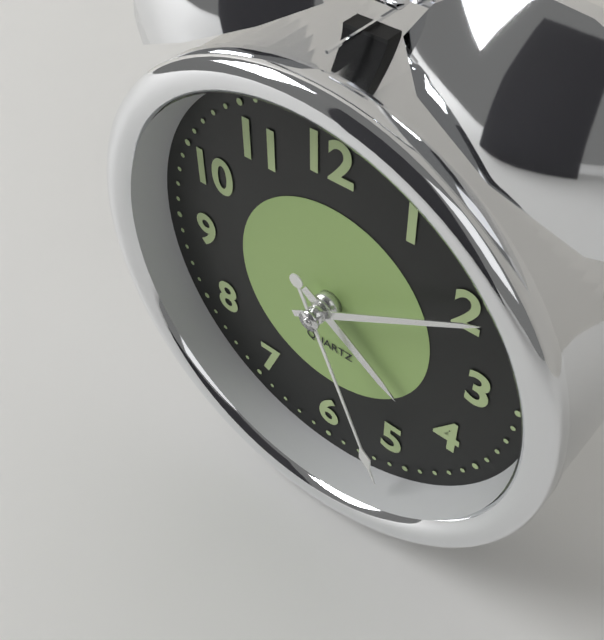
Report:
4,10,26
